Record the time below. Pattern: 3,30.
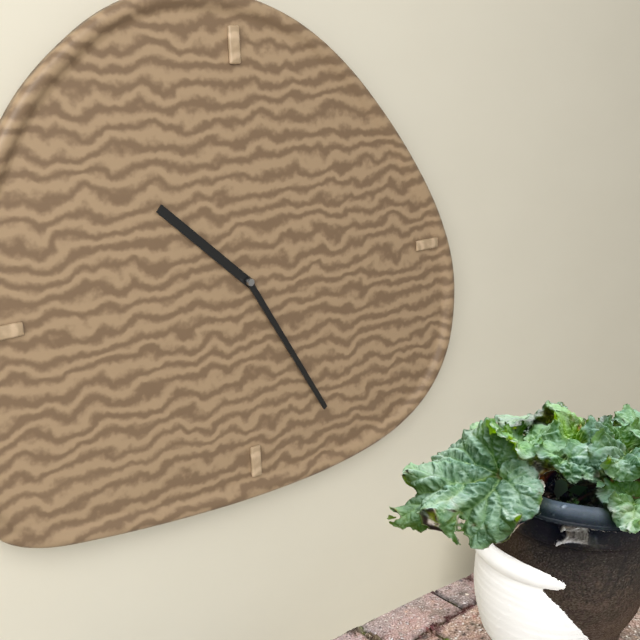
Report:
10,25
